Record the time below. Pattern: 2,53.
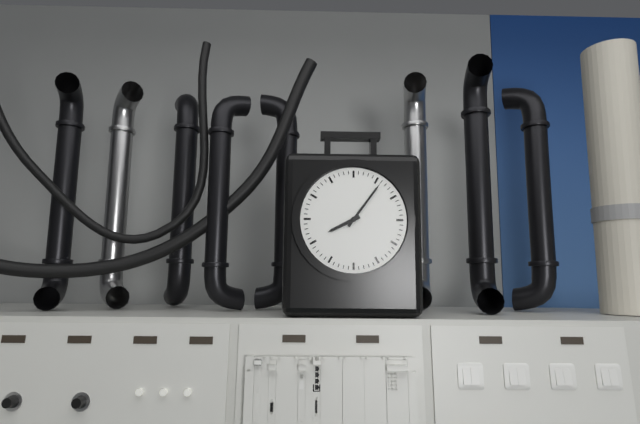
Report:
8,06
